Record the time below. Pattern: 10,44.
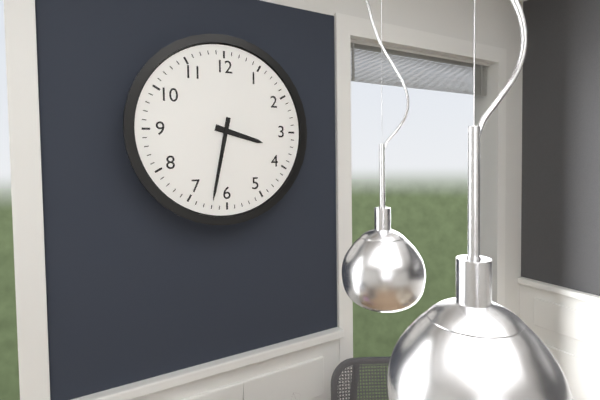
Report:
3,32
